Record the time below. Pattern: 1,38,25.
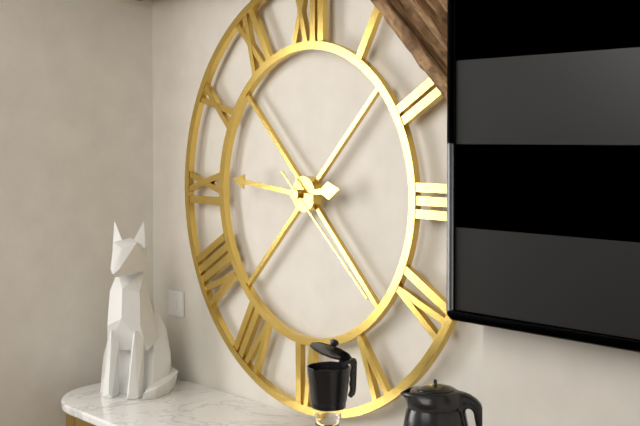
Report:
2,46,22
